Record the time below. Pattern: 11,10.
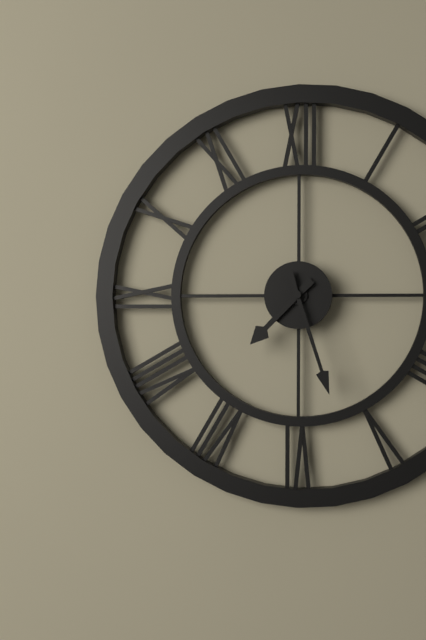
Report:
7,27
